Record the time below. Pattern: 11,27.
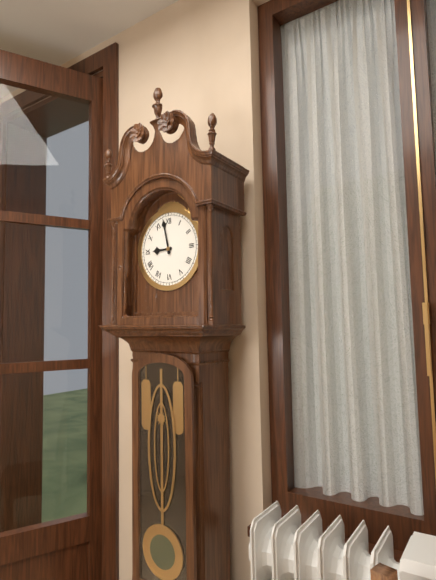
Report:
8,58
